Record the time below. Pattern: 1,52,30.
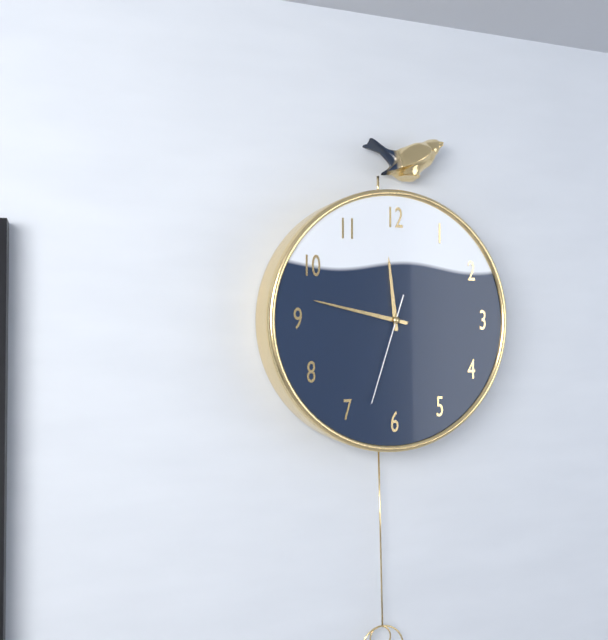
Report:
11,47,33
